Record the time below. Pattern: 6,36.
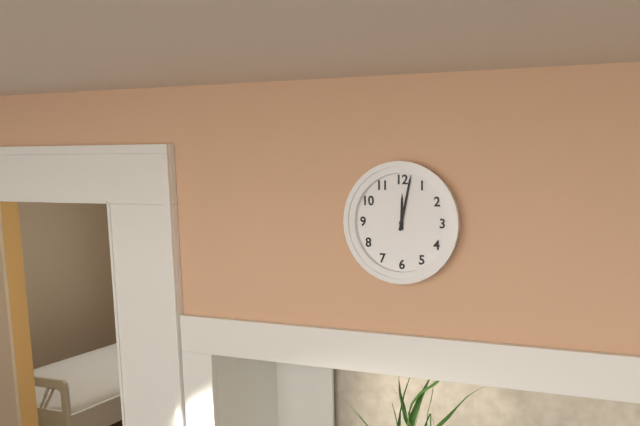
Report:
12,02
